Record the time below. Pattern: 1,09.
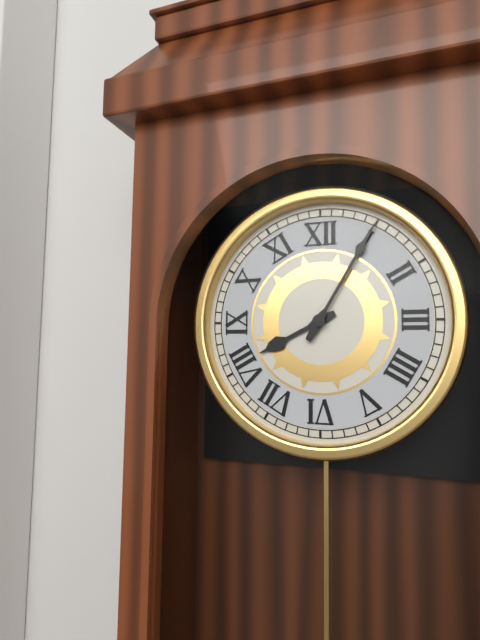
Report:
8,05
